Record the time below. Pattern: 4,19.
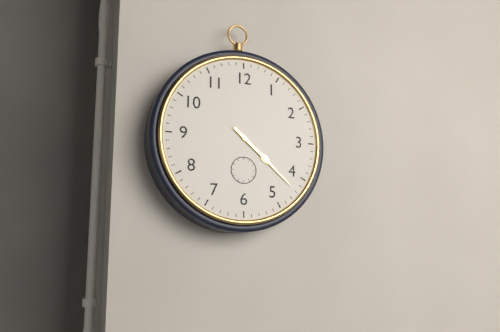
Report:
4,22
